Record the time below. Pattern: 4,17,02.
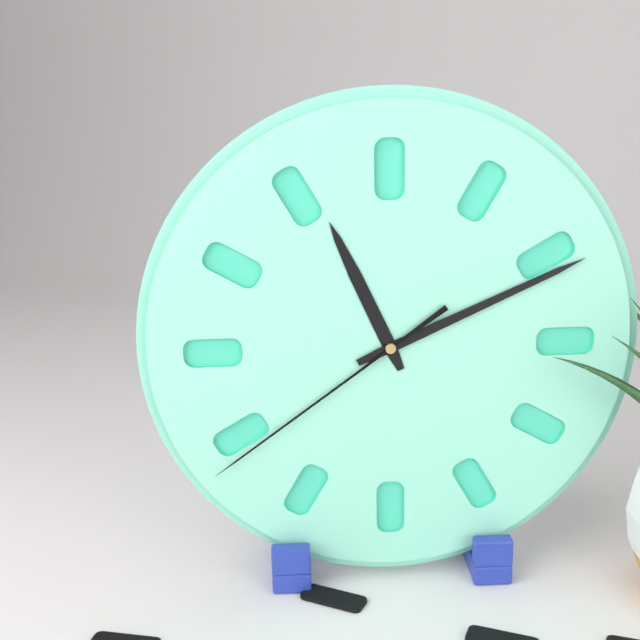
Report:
11,11,39
